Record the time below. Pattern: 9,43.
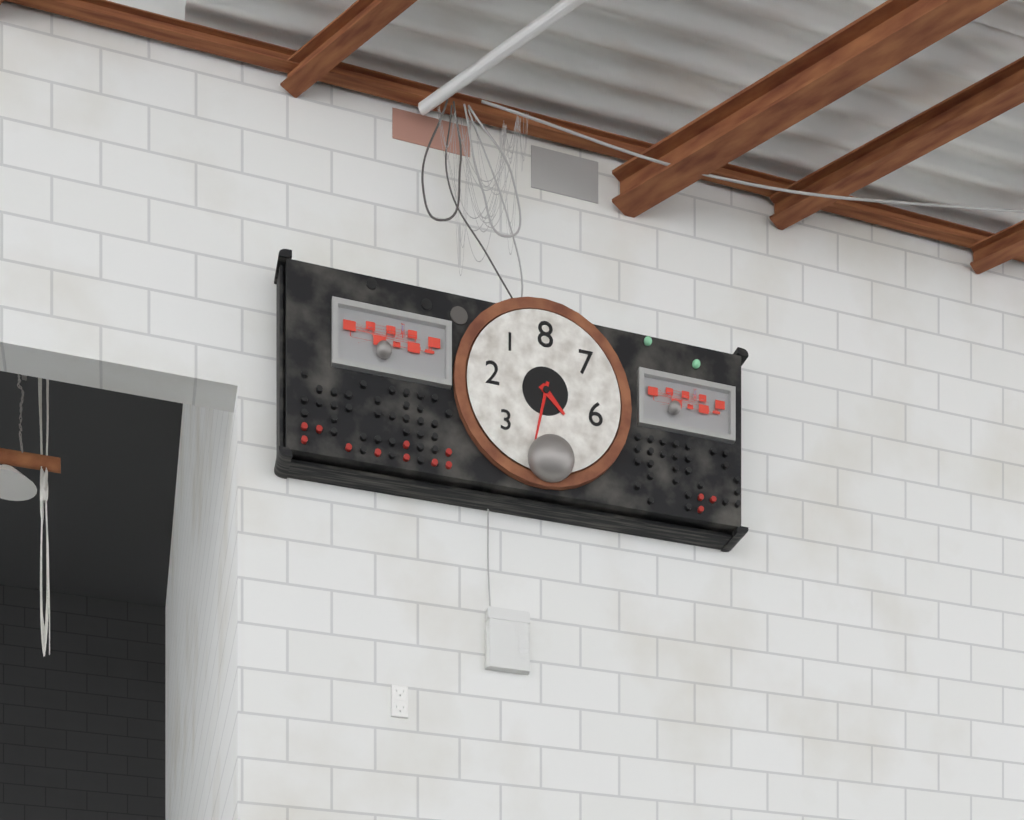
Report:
4,32
